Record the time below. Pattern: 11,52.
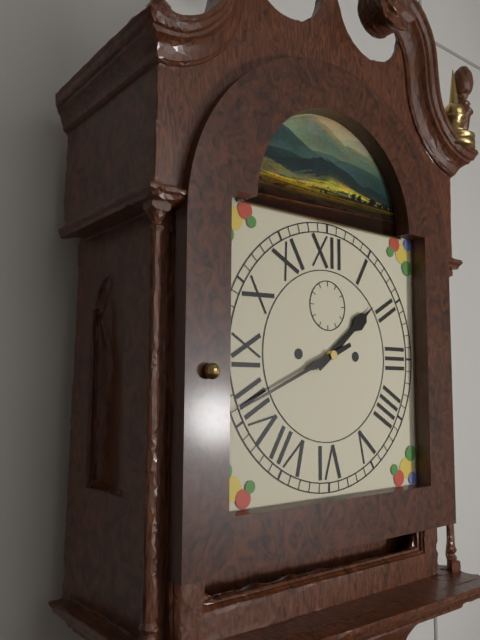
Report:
1,41
